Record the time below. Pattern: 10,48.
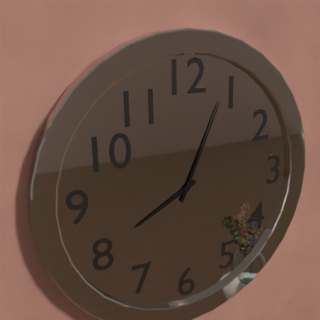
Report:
8,04
